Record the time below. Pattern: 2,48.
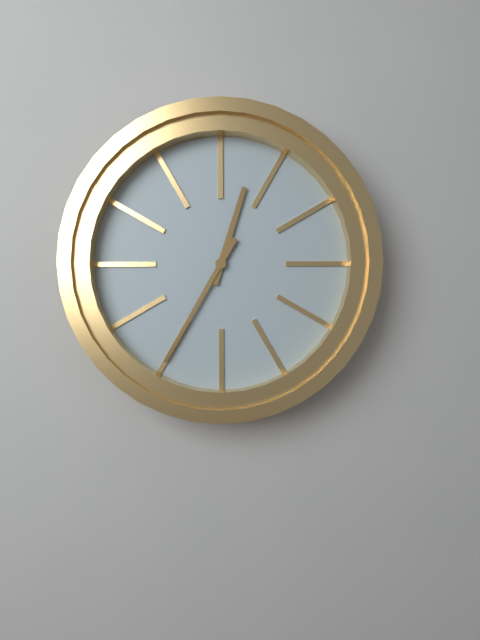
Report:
12,35
